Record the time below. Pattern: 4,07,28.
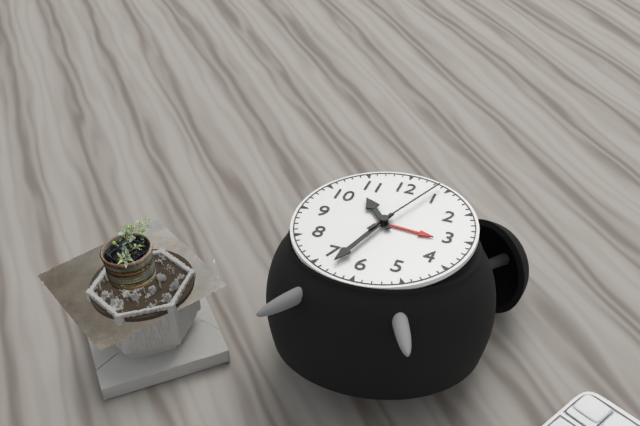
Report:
10,33,04
